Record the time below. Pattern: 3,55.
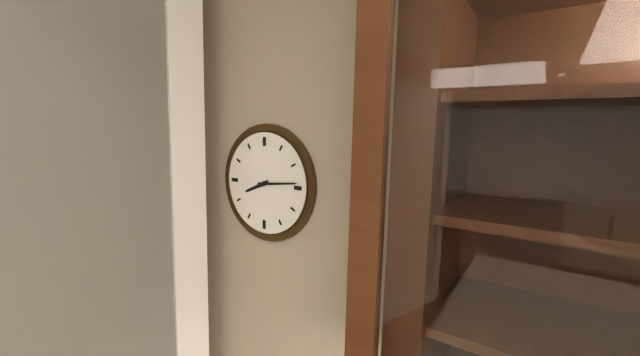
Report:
8,14
